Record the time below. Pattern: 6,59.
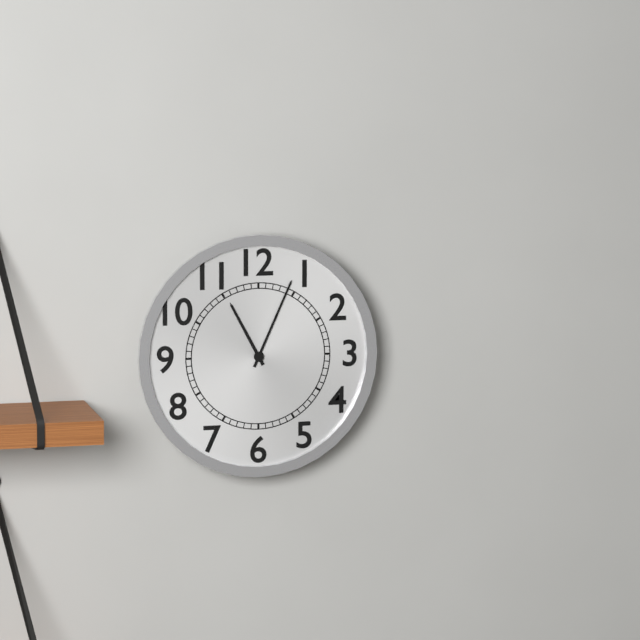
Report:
11,04
